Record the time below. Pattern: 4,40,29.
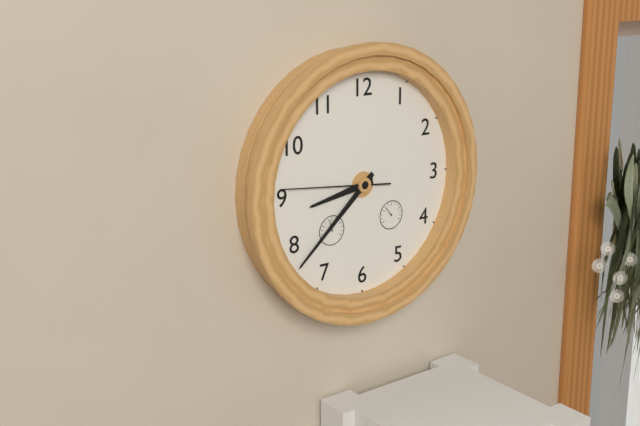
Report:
8,38,46
